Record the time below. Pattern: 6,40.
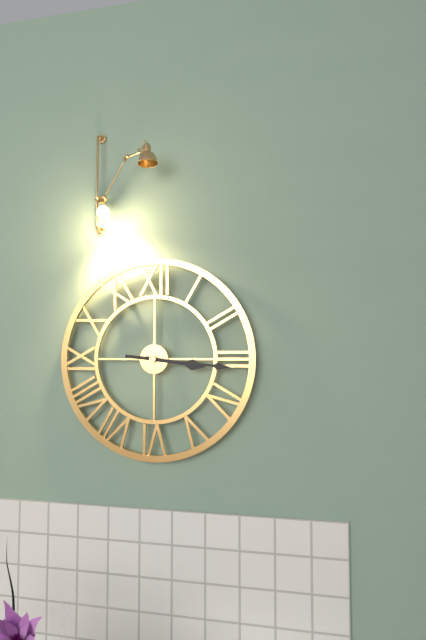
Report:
3,16
